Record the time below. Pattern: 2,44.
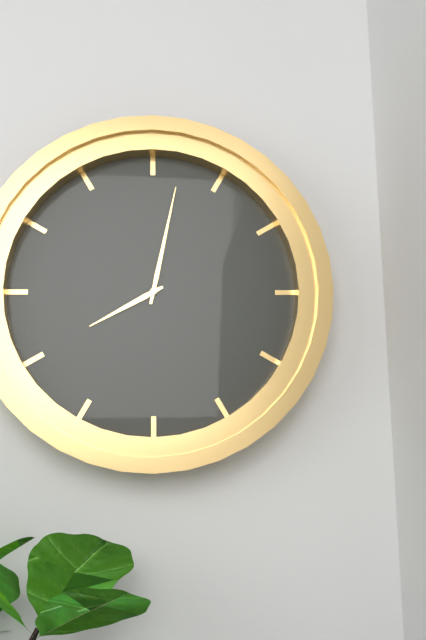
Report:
8,02
